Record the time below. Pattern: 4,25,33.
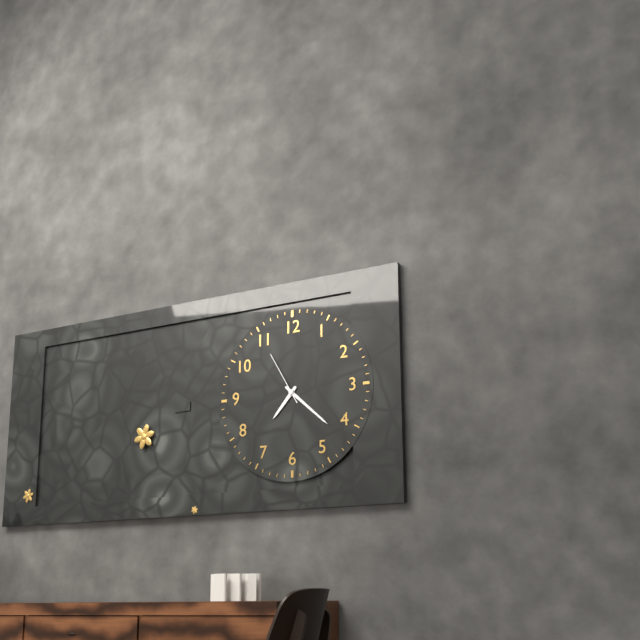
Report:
7,22,55
